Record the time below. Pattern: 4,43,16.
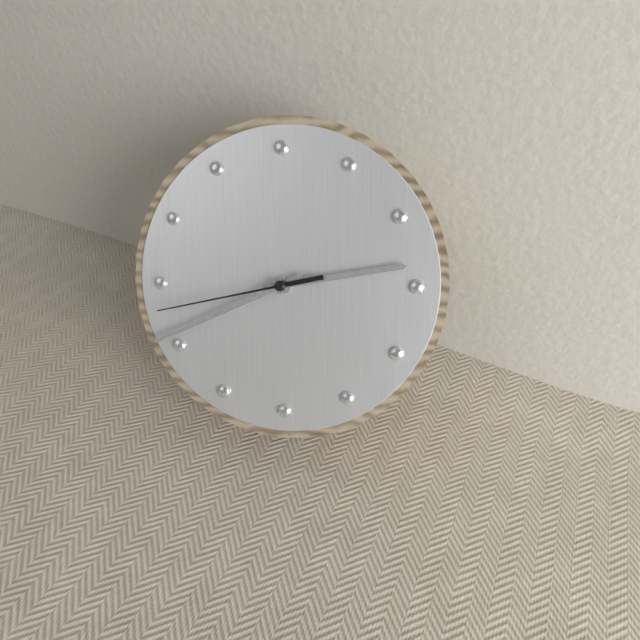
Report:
2,41,43
